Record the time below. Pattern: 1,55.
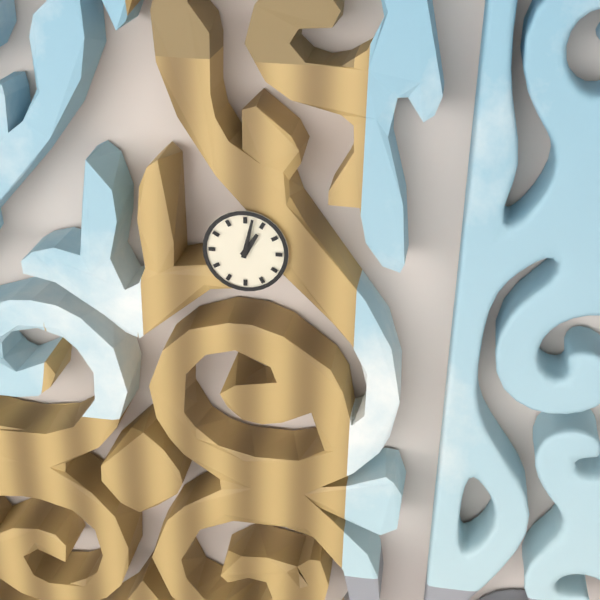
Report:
1,02
